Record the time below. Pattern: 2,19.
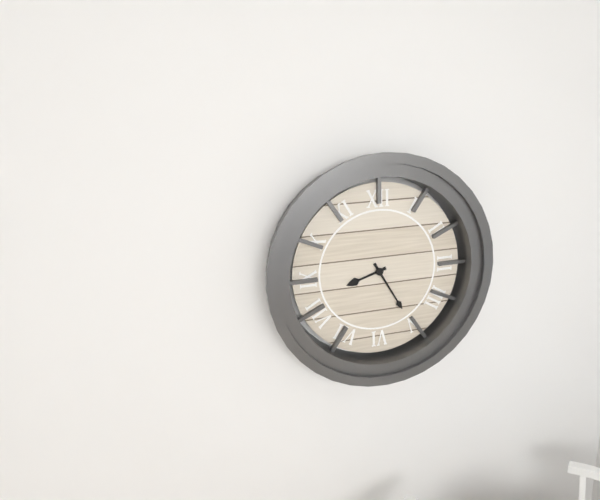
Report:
8,25
